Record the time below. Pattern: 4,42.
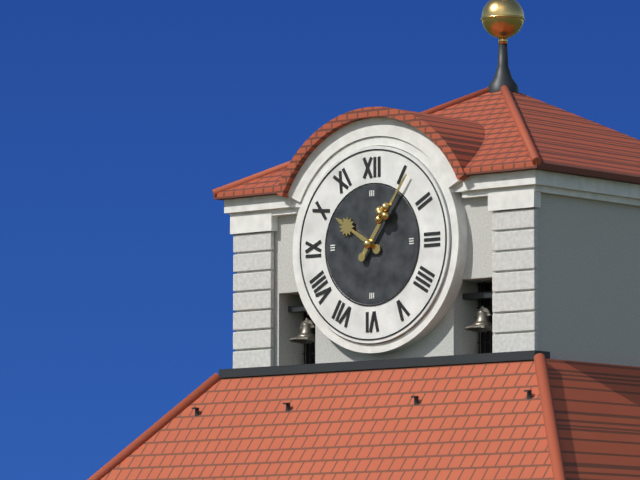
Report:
10,06
